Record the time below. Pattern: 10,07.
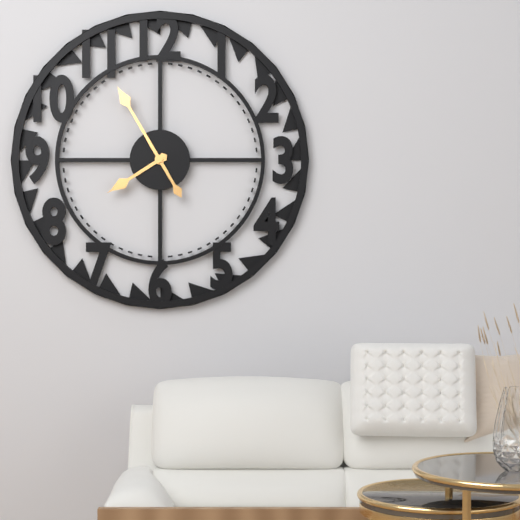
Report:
7,55
